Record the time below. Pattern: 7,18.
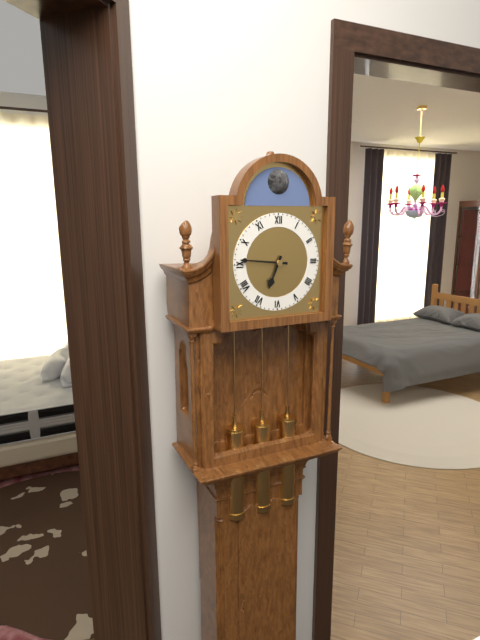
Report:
6,46
